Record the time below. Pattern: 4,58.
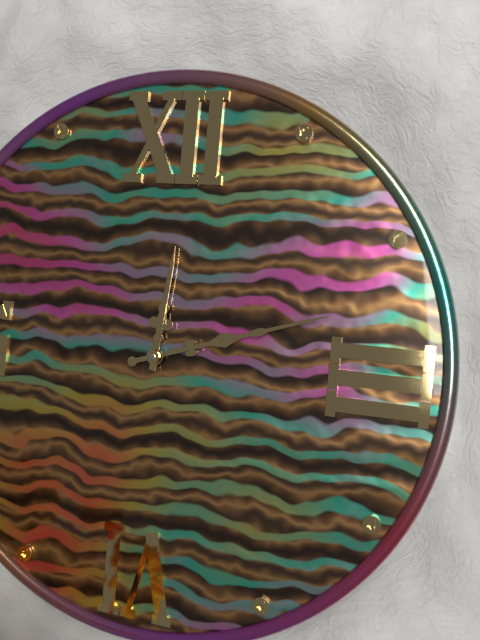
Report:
12,12
